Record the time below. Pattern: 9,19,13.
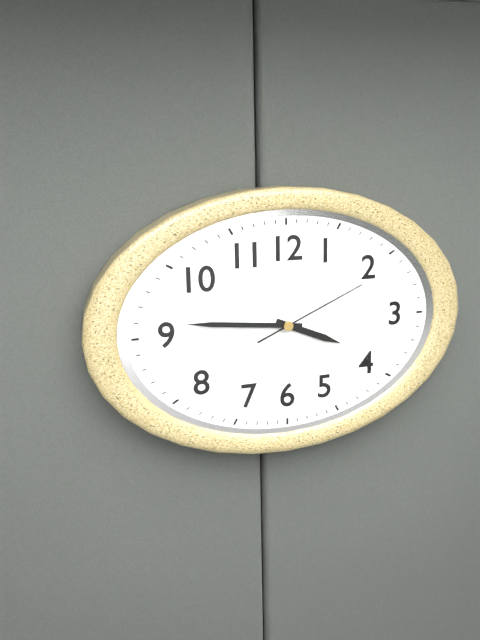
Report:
3,46,11
